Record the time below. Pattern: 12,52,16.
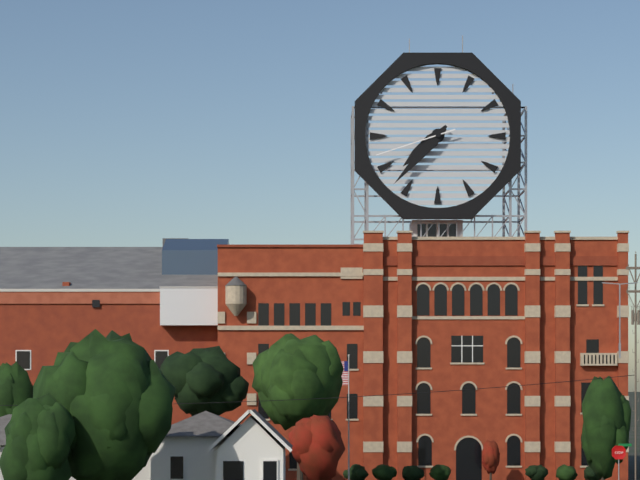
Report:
7,37,42
